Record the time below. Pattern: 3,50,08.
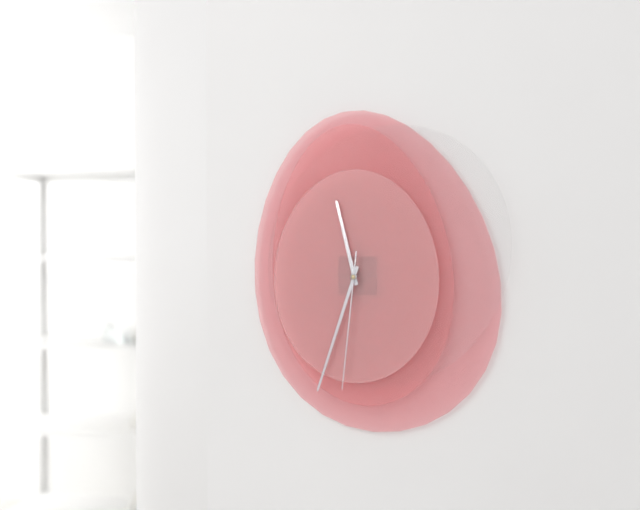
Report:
11,33,31
